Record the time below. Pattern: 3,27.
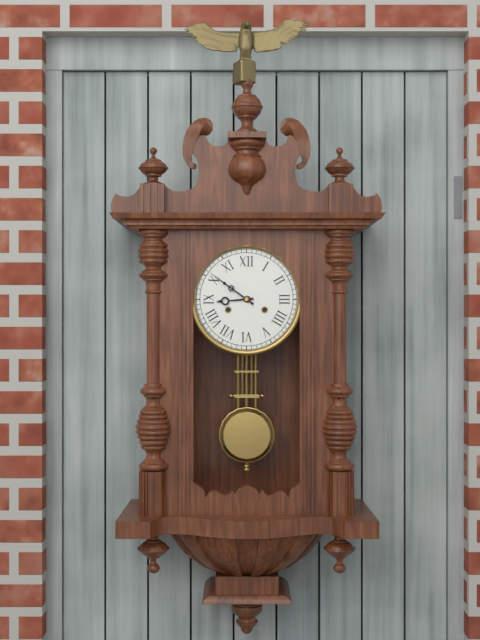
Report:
8,51
